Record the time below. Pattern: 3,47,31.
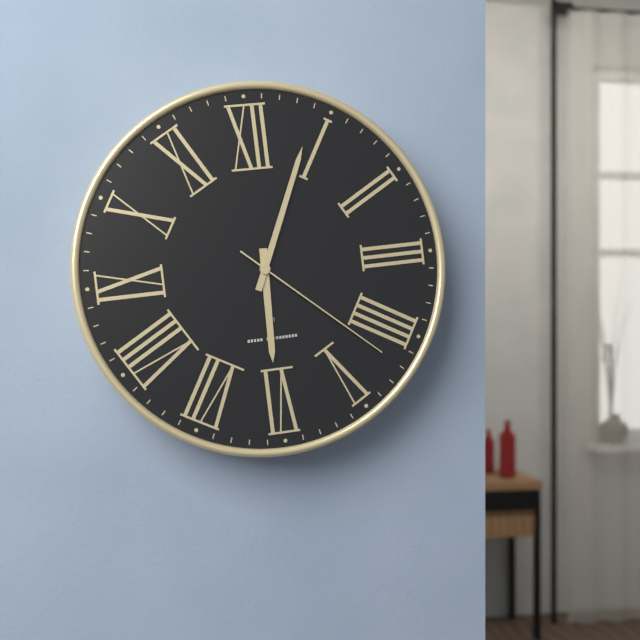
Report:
6,04,22
